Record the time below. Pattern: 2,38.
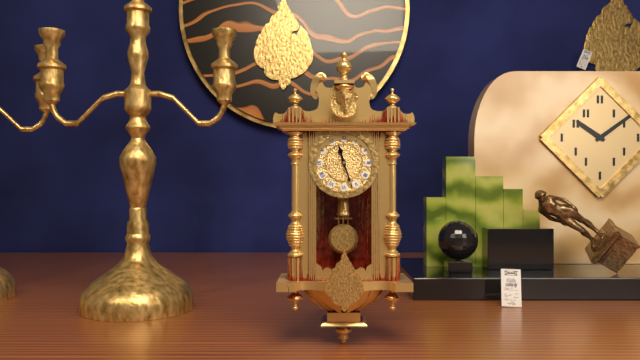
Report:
11,27
